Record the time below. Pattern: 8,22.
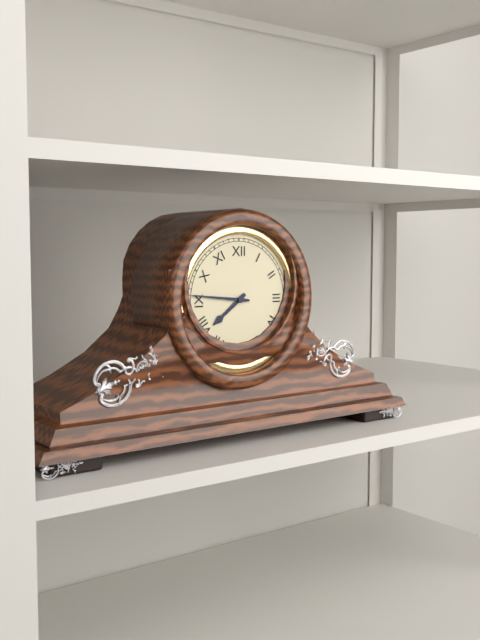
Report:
7,46
